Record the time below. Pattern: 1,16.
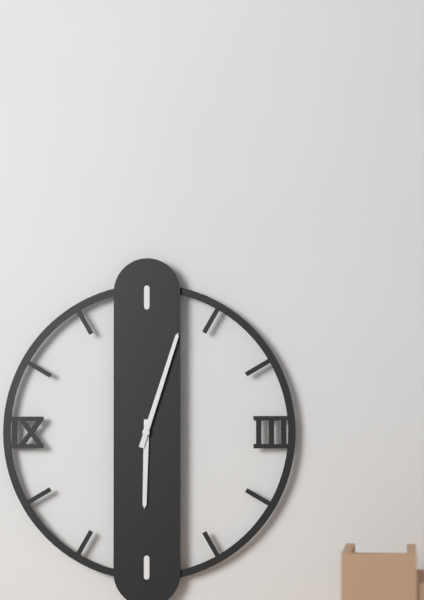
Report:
6,03
